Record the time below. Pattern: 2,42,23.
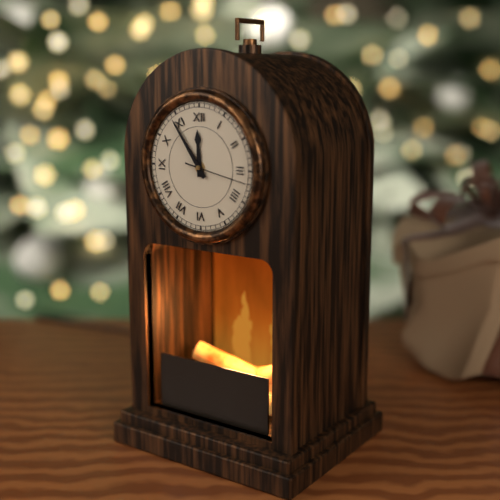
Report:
11,54,17
